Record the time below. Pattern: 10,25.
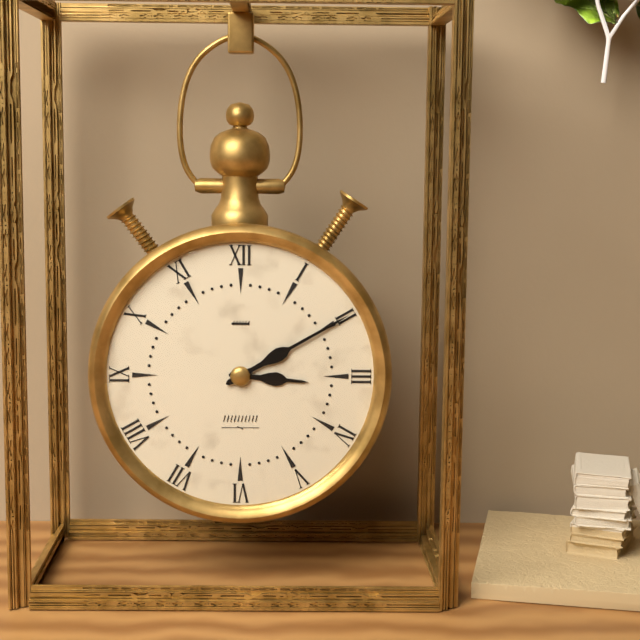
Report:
3,10
